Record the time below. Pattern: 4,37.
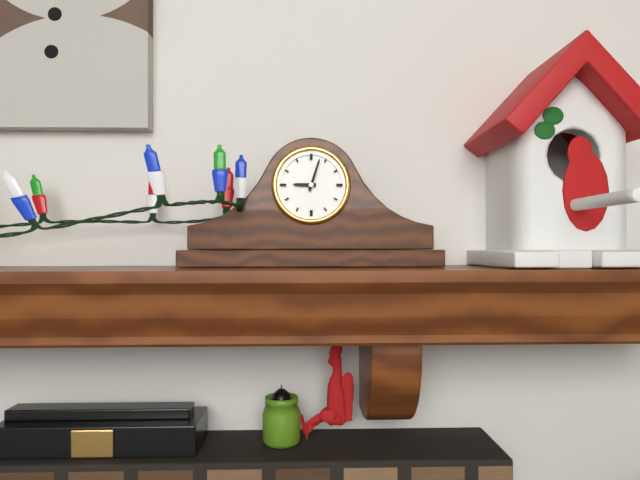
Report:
9,03
